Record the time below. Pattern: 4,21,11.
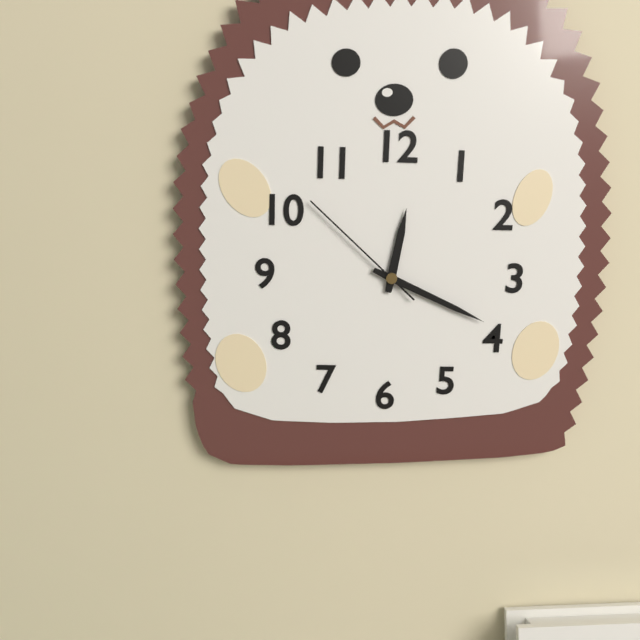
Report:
12,19,52
